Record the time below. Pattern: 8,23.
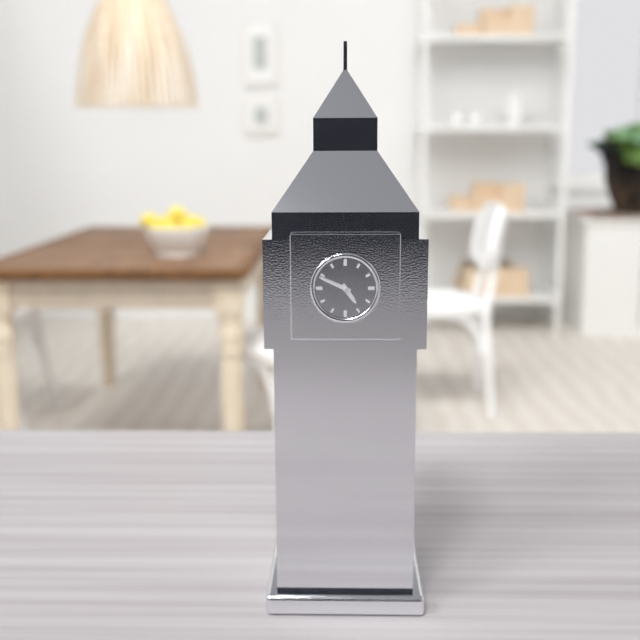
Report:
4,49
